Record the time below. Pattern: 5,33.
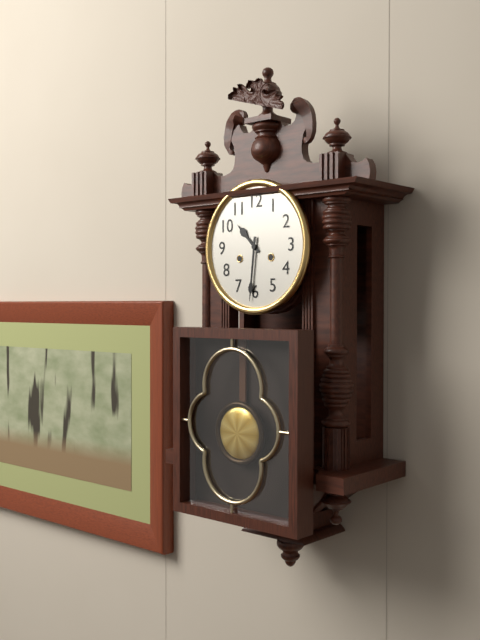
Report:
10,31
